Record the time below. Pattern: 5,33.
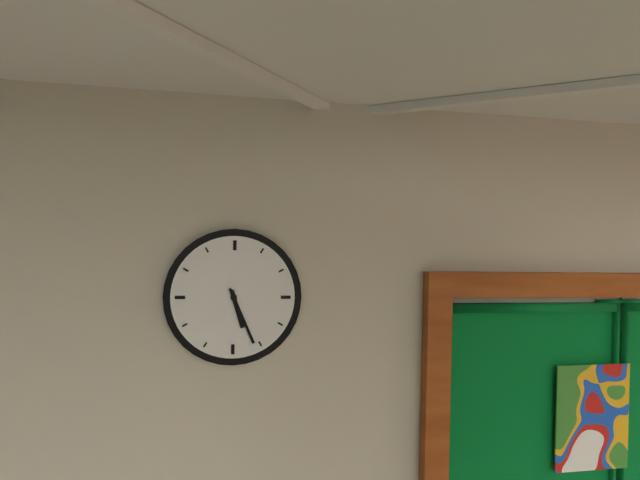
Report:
5,26
